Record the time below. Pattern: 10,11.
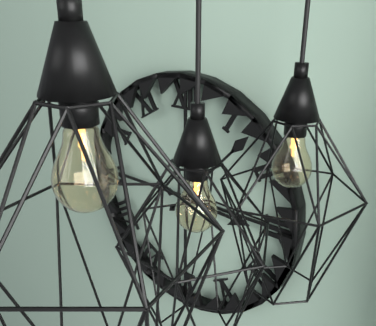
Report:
3,07
